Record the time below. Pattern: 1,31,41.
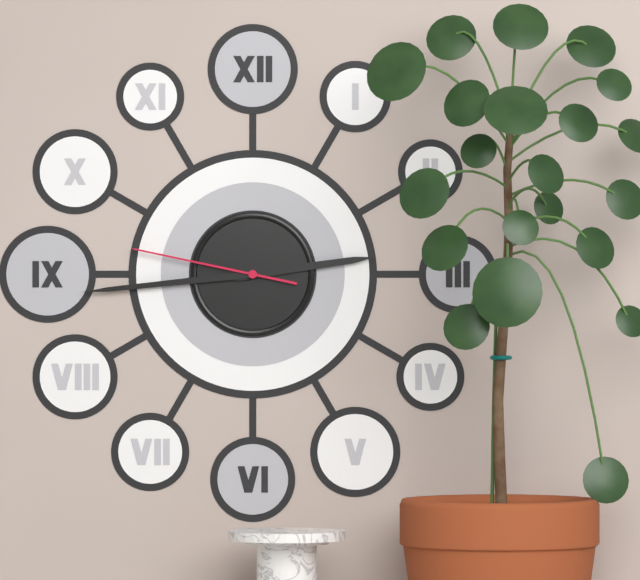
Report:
2,44,47
